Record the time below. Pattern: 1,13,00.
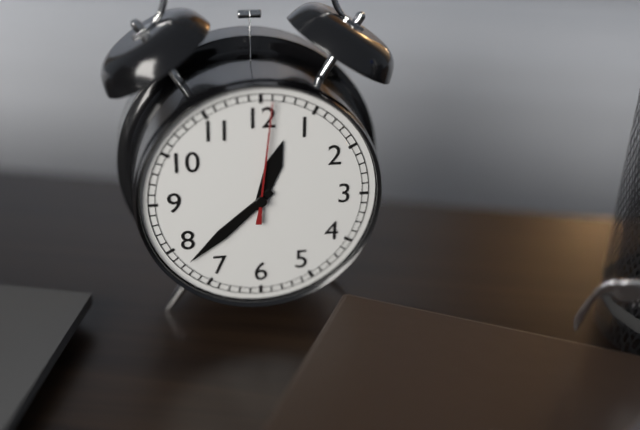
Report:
12,38,01
